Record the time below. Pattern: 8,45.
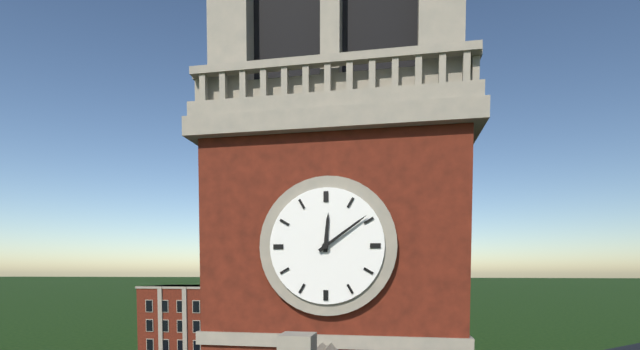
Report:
12,09
